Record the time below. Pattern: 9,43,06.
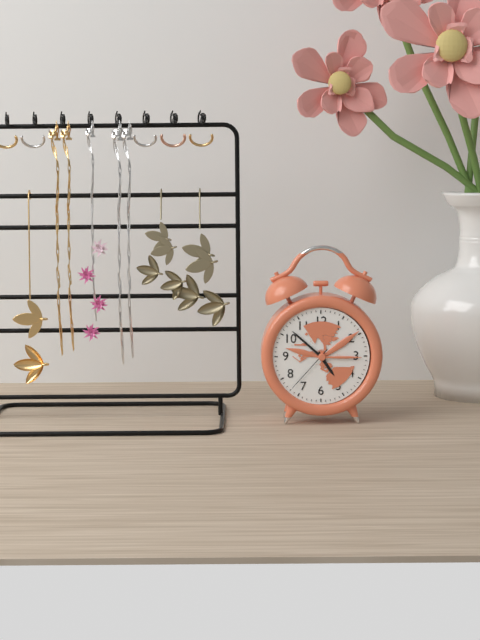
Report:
4,52,37
